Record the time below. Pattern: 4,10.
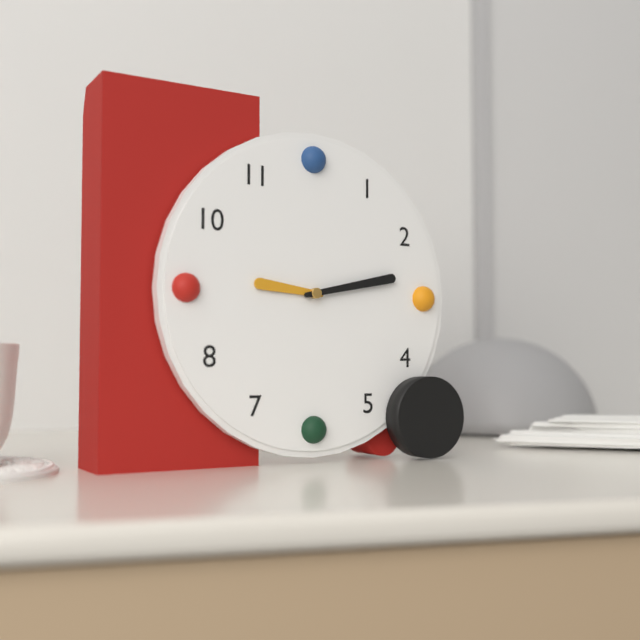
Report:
9,13
